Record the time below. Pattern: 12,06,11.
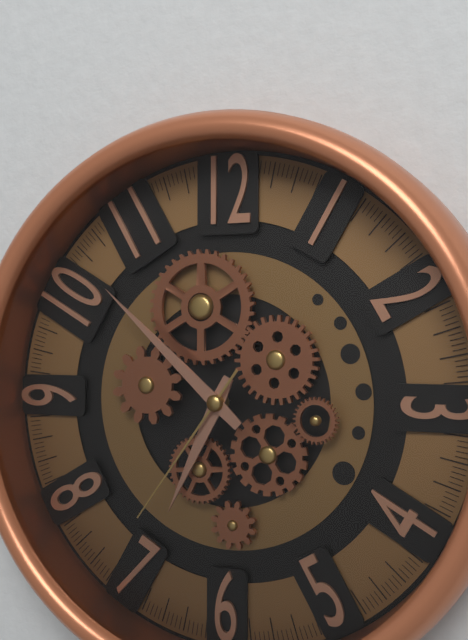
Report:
6,52,36
